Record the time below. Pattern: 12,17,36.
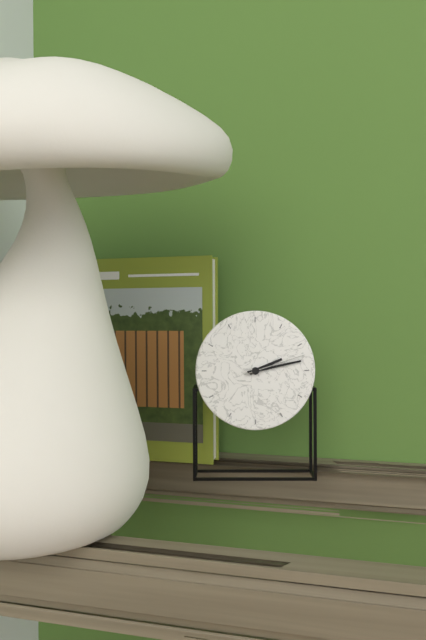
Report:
2,13,12
